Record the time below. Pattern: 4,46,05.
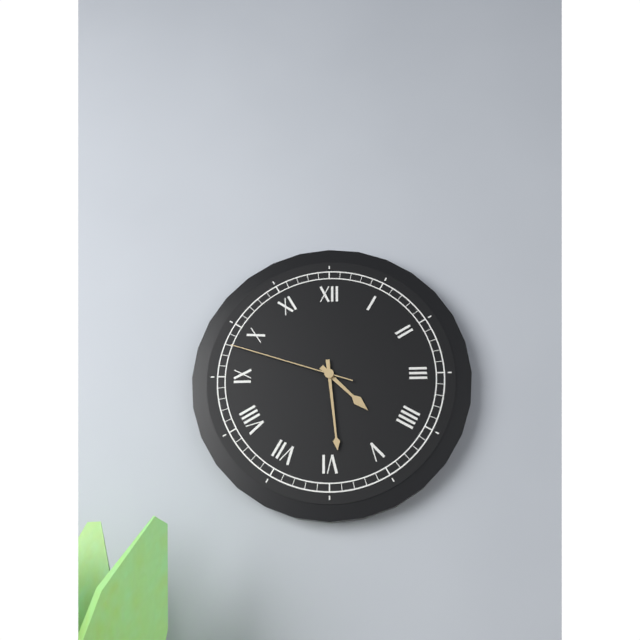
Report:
4,29,48
